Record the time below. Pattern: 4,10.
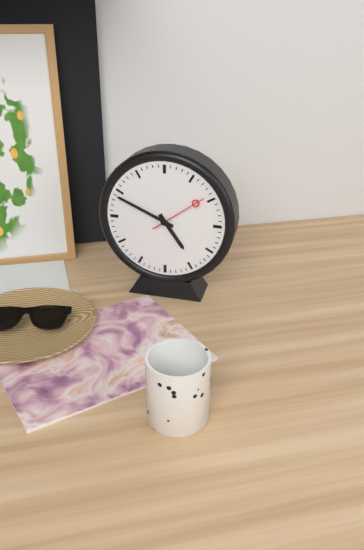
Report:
4,49
